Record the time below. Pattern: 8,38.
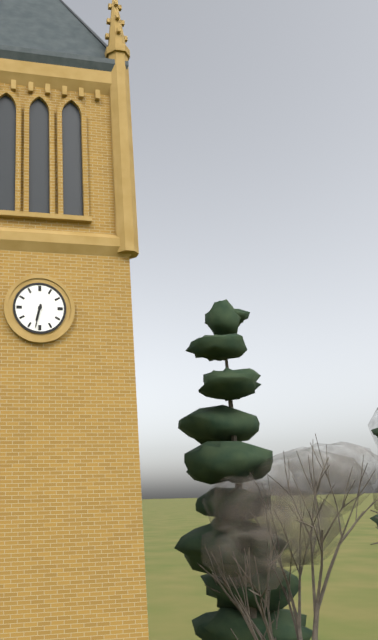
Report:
6,32
